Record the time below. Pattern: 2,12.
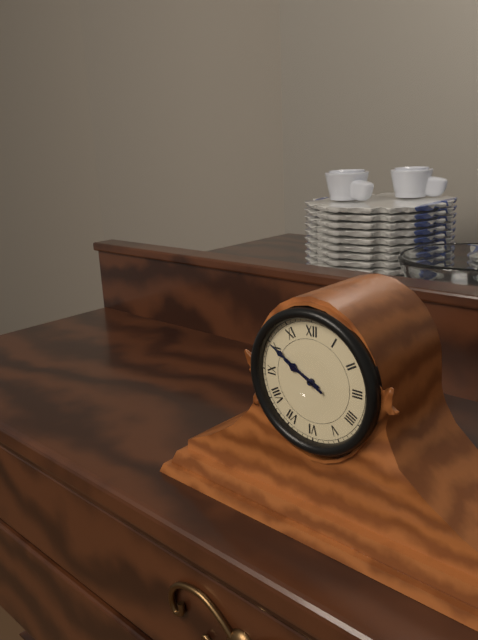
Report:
9,50
